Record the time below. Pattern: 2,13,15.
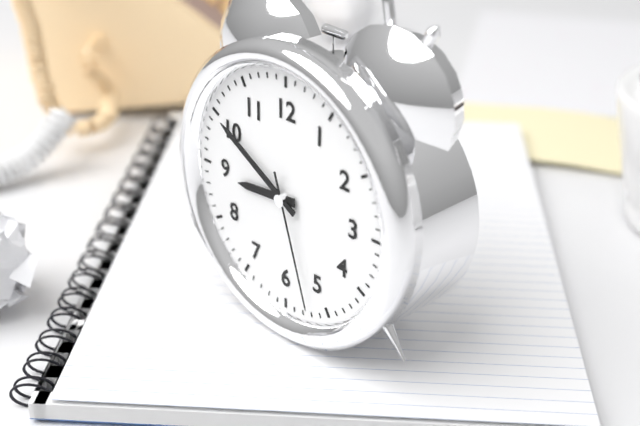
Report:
8,50,27
